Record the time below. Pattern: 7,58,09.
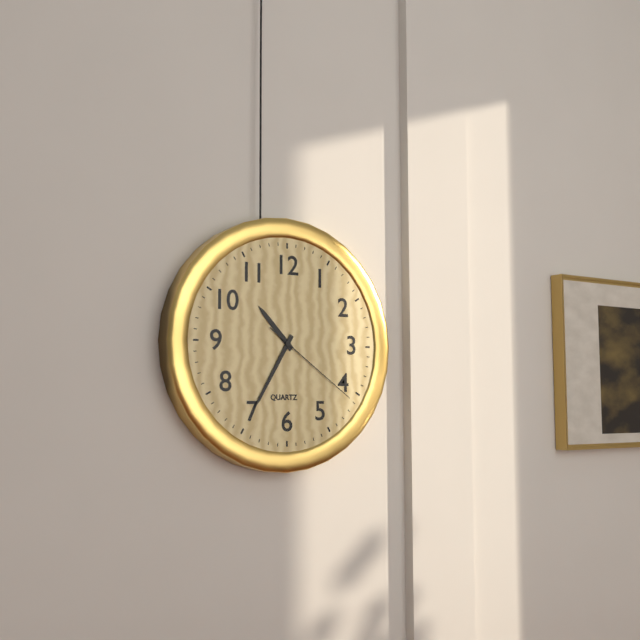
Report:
10,35,21
